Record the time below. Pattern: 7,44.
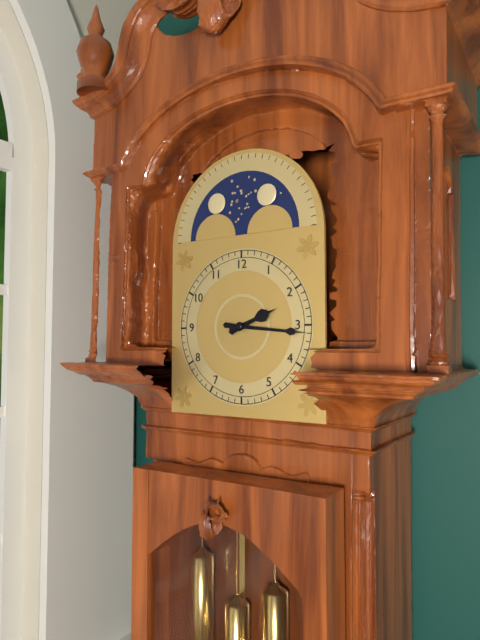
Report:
2,16
